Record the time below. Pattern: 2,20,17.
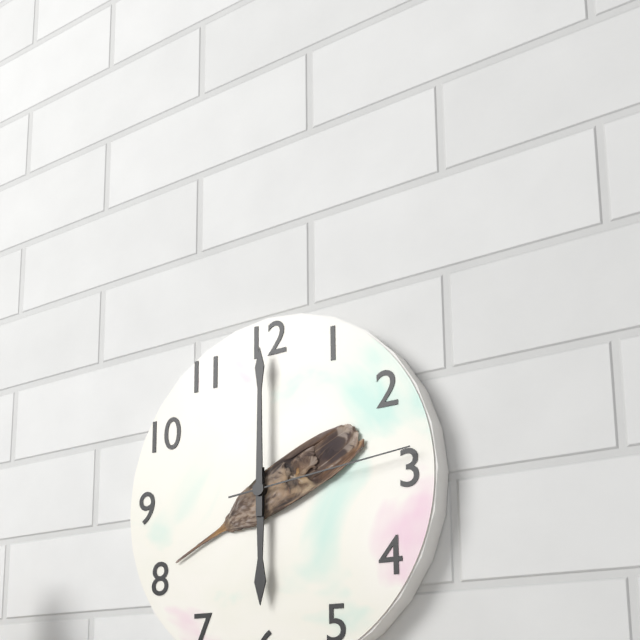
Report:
6,00,14
